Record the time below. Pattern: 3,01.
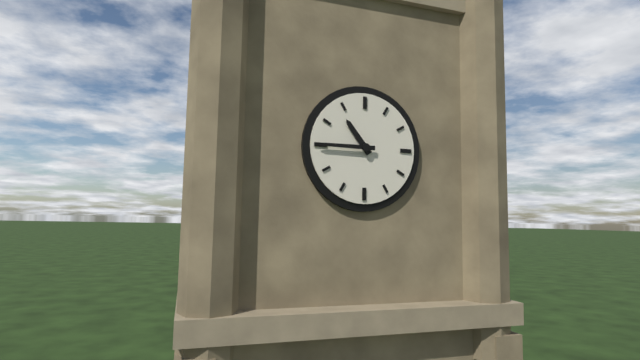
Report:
10,45
